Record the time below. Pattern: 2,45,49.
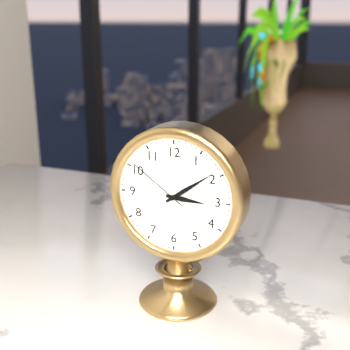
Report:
3,09,51
